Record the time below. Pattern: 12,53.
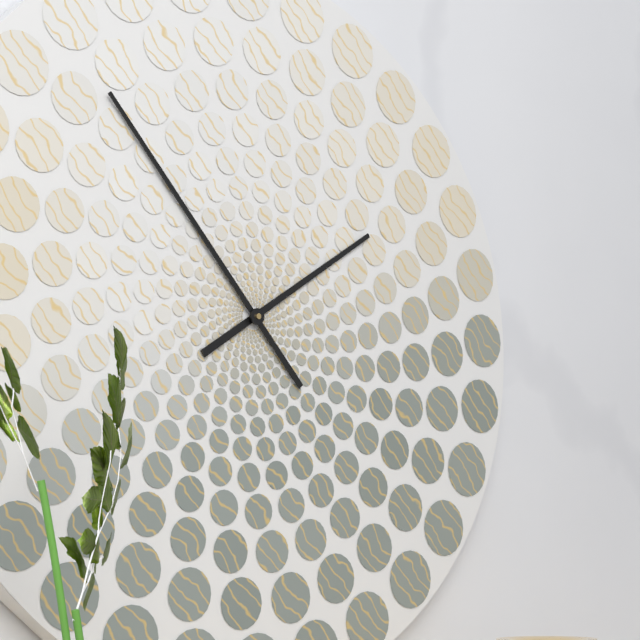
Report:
1,53
